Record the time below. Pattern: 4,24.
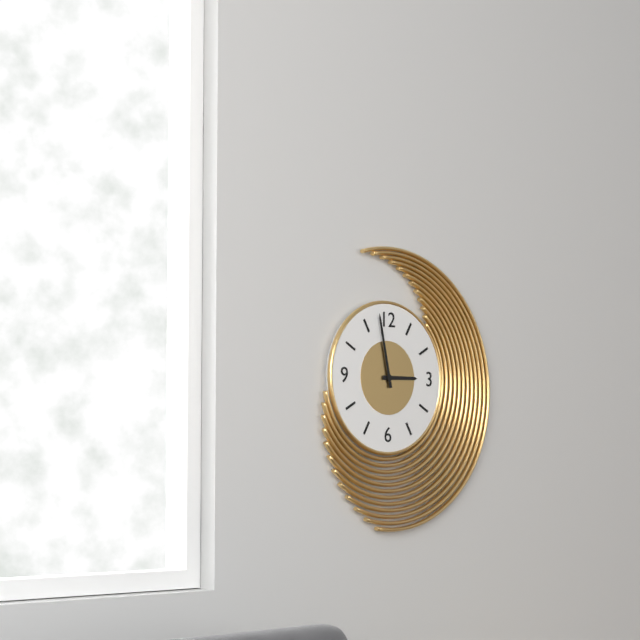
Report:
2,58
